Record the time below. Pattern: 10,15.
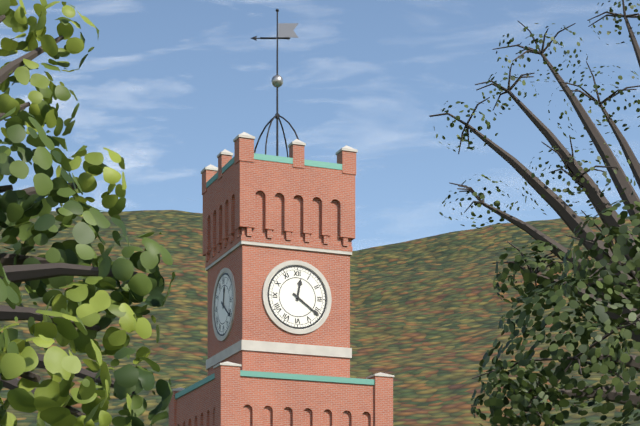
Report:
12,21
